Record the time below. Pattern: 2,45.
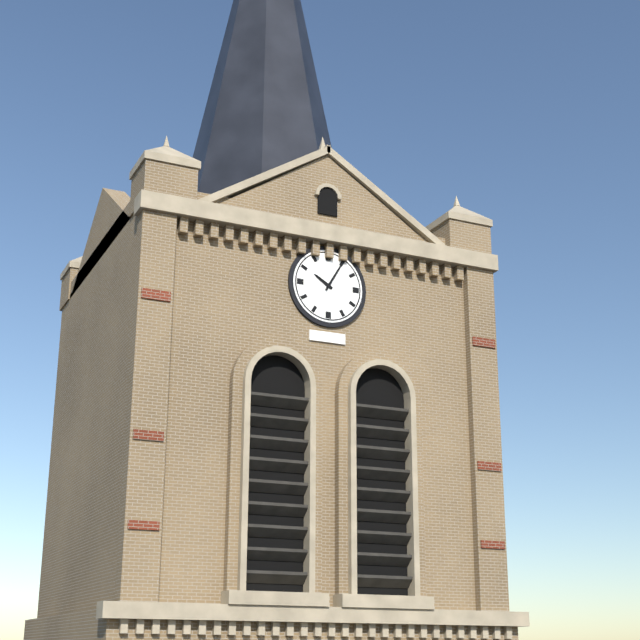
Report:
10,05
